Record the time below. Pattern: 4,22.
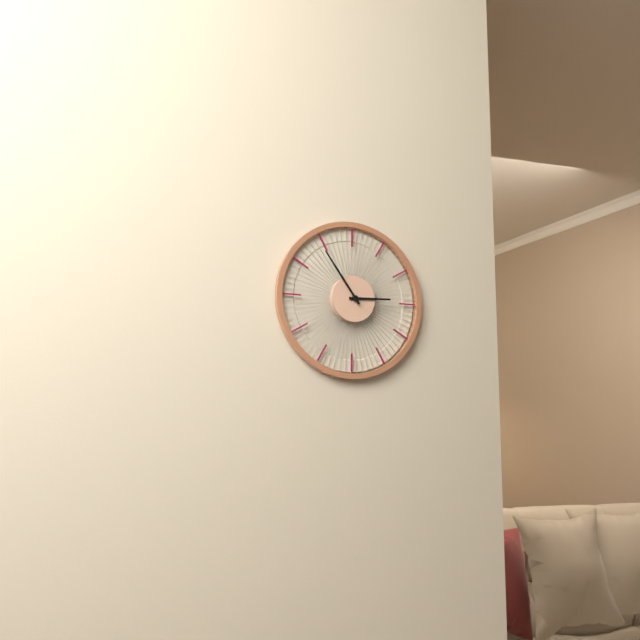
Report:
2,54
